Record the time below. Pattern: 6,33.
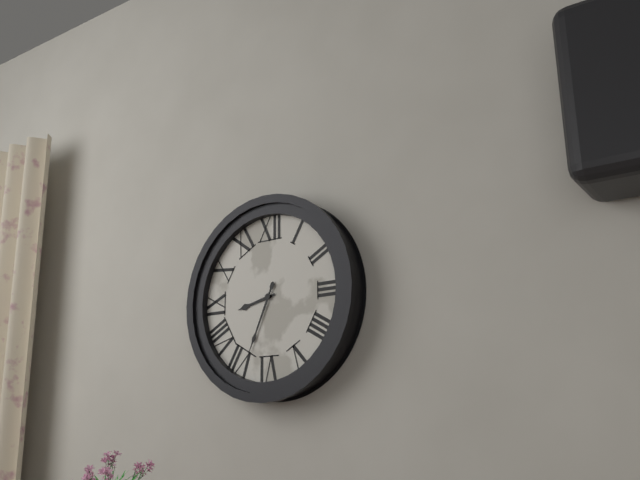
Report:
8,34
